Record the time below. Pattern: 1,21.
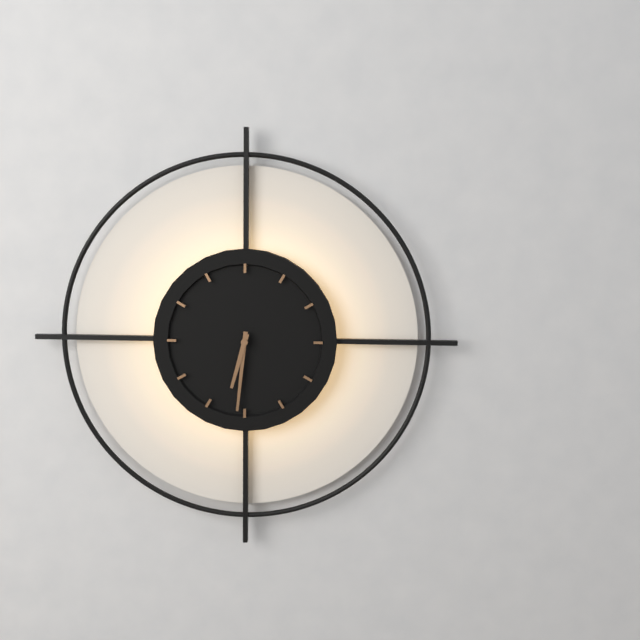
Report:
6,31
